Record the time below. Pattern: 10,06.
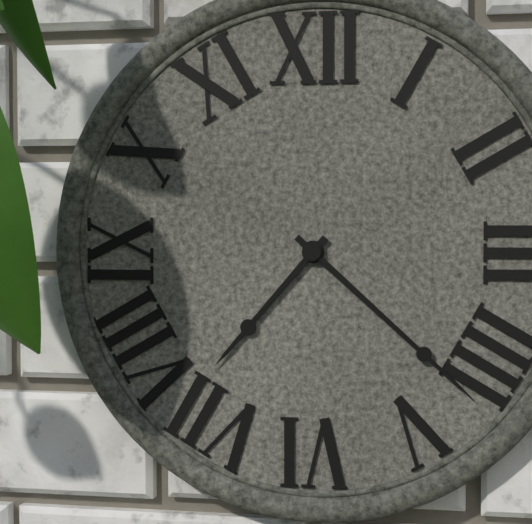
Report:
7,22
